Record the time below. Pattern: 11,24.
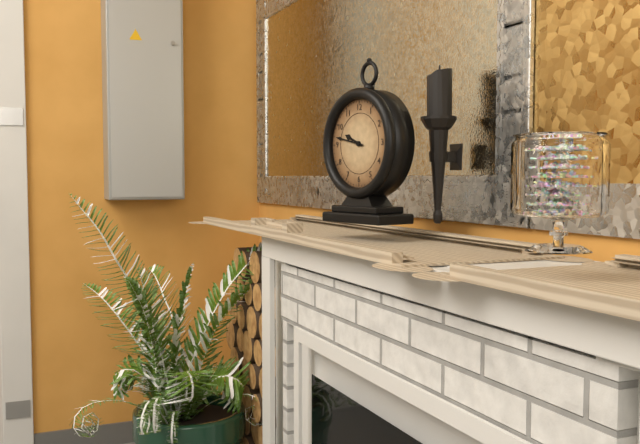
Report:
9,47
